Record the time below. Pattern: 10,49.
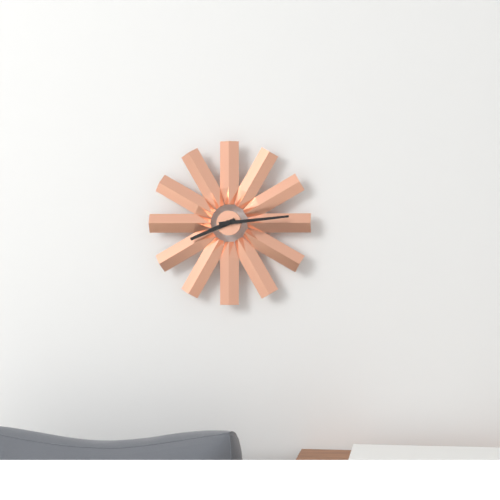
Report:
8,14
